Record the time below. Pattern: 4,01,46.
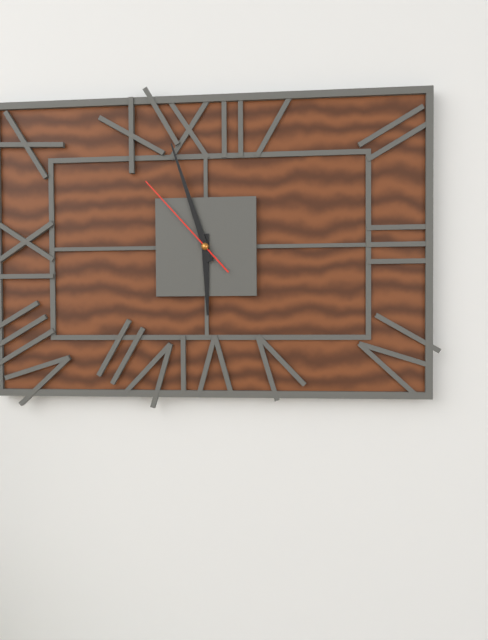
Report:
5,57,53
